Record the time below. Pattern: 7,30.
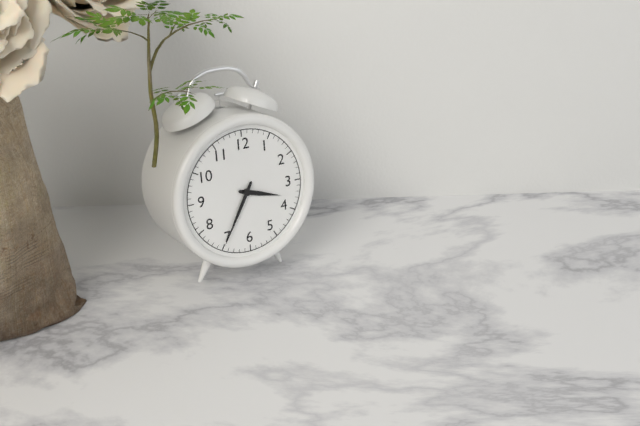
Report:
3,35
